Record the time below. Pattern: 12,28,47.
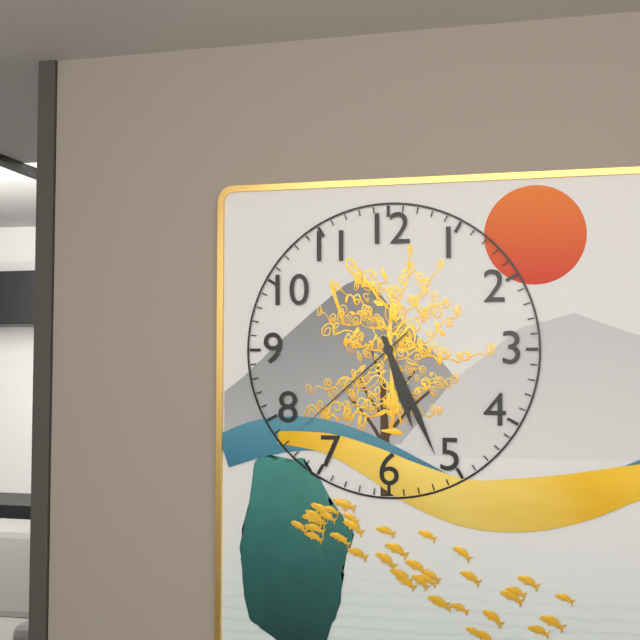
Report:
5,26,38
